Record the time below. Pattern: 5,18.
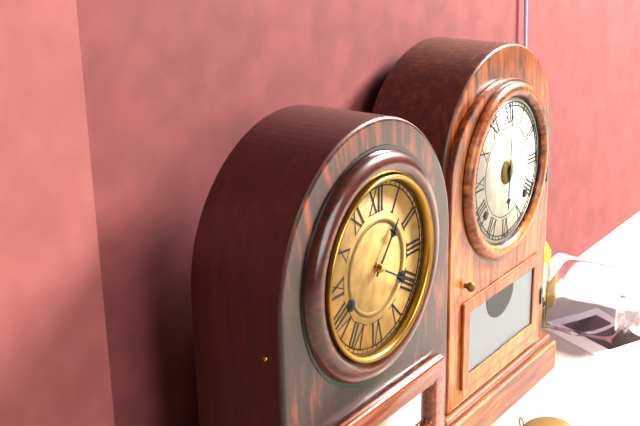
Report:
1,20
